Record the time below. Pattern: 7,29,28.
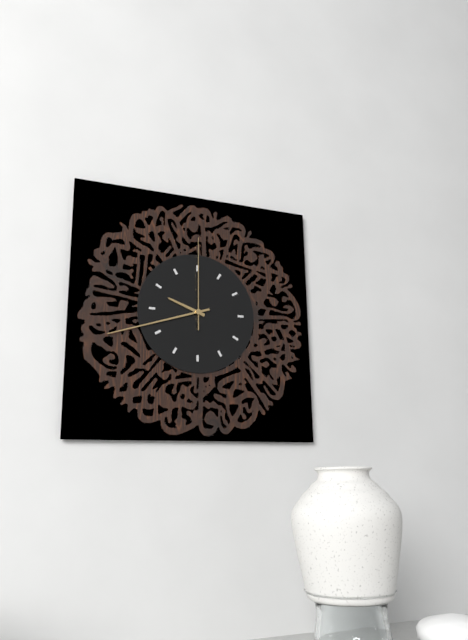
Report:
9,42,00
